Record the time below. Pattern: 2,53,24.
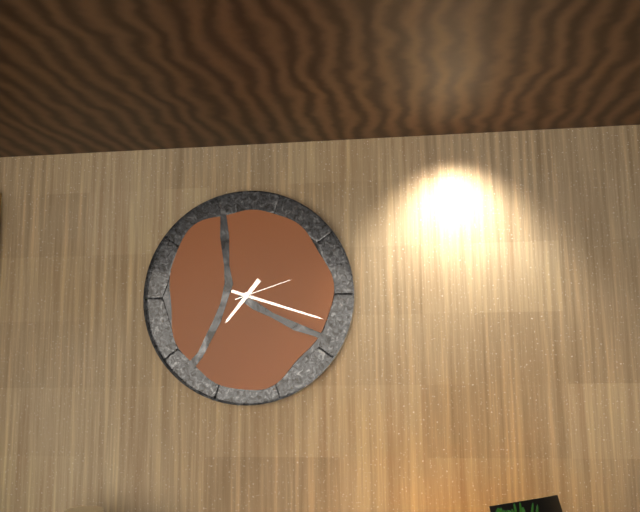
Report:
7,18,12
